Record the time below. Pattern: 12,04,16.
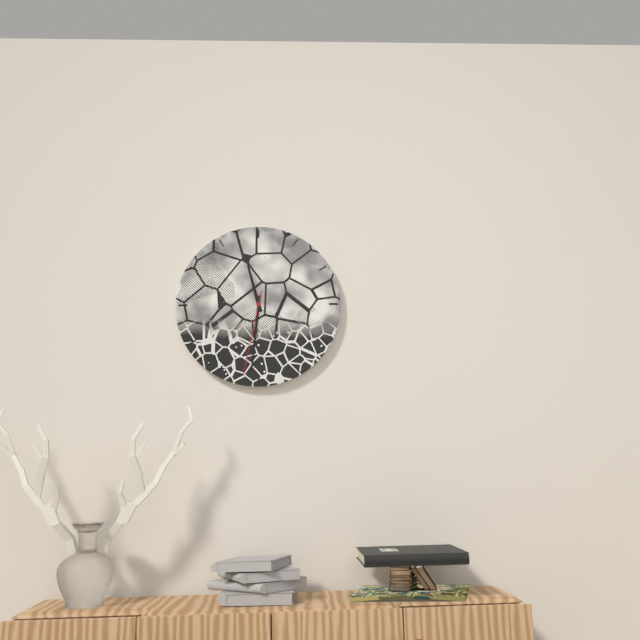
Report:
11,31,32
